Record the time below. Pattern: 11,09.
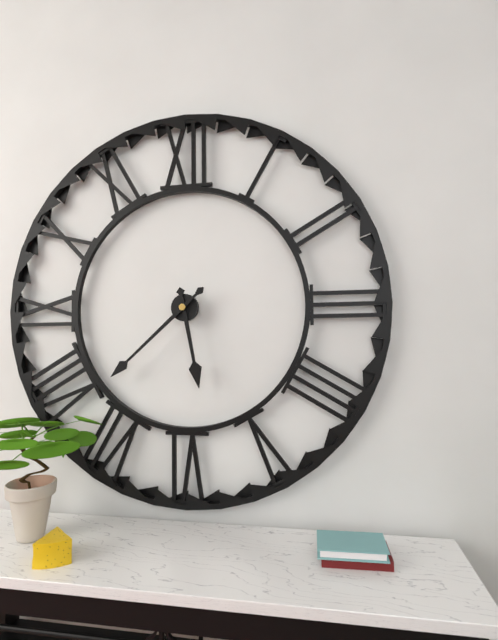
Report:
5,38
